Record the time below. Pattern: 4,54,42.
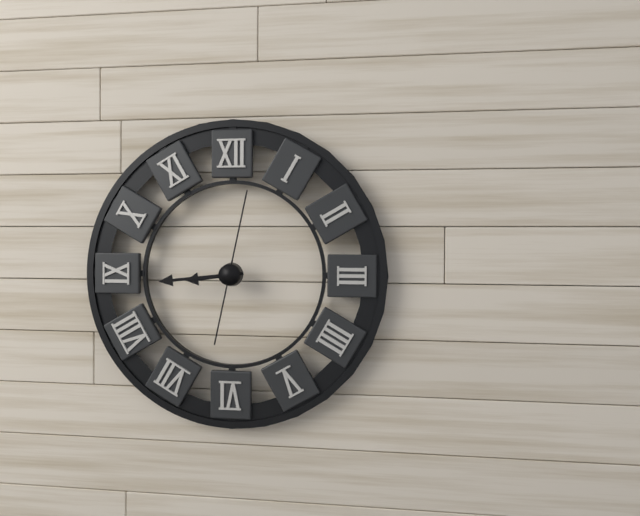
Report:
8,44,02
